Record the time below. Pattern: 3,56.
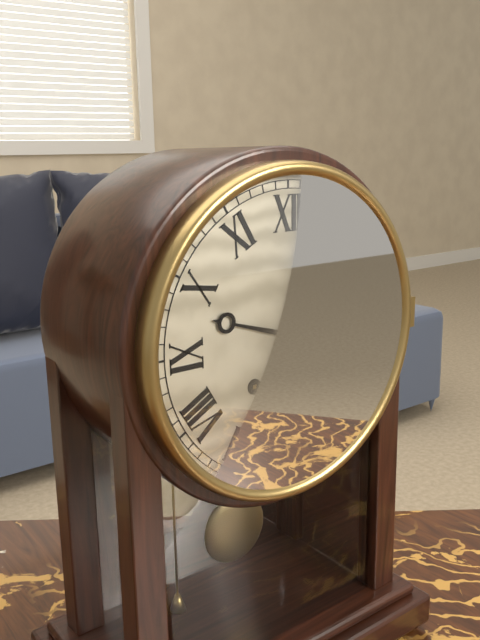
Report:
9,35
